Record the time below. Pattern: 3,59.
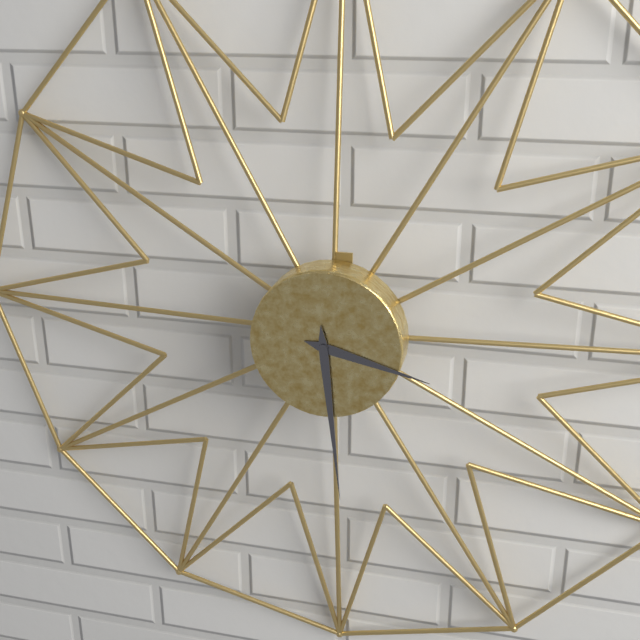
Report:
3,29
